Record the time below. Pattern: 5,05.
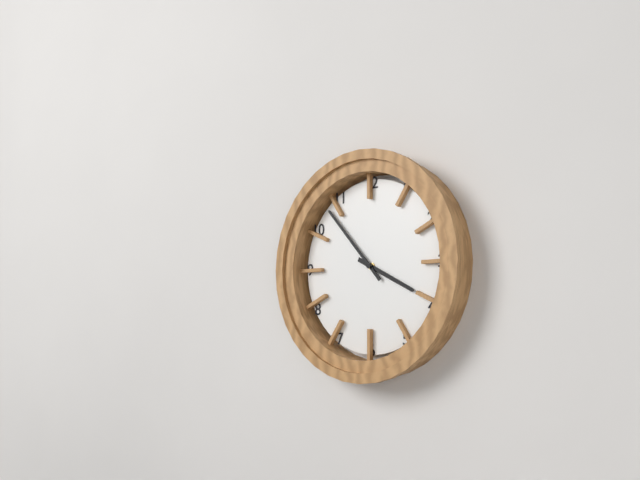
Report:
3,53
